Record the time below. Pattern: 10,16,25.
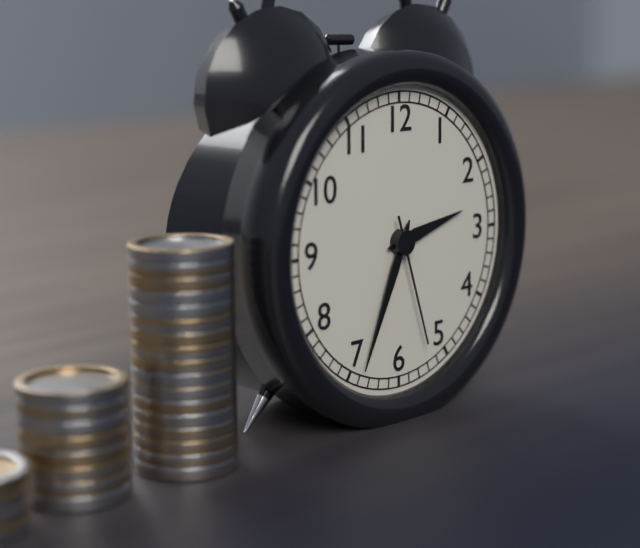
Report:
2,34,27
